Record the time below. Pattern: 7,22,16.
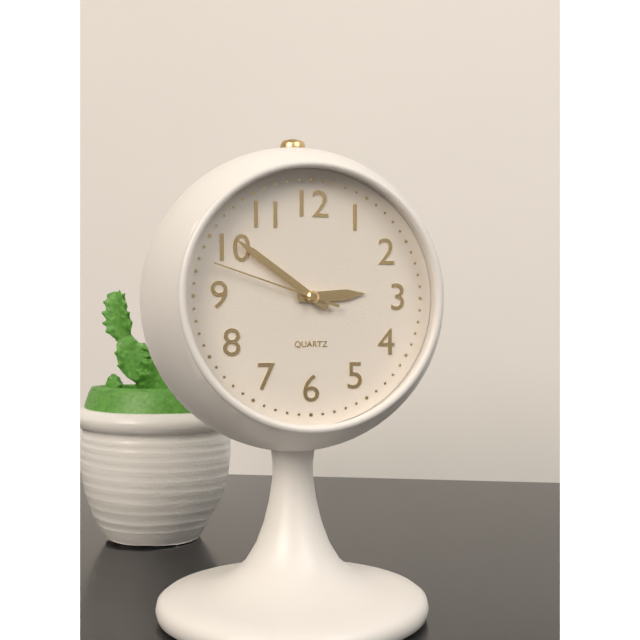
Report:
2,51,48
